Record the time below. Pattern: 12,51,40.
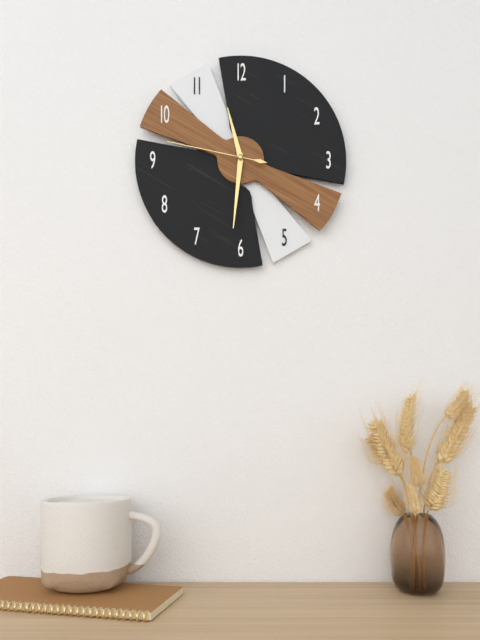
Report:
11,31,47
